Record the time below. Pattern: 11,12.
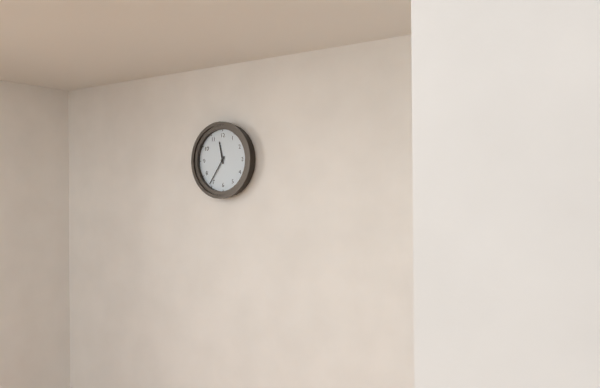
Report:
11,36
